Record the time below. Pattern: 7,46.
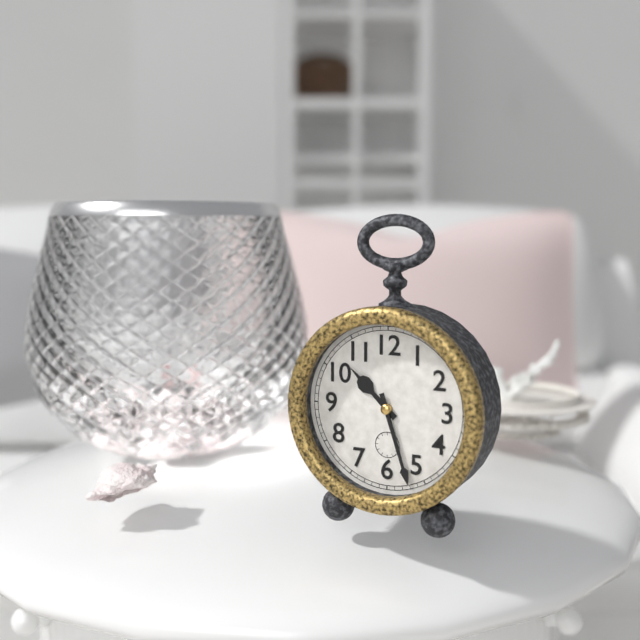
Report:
10,27
